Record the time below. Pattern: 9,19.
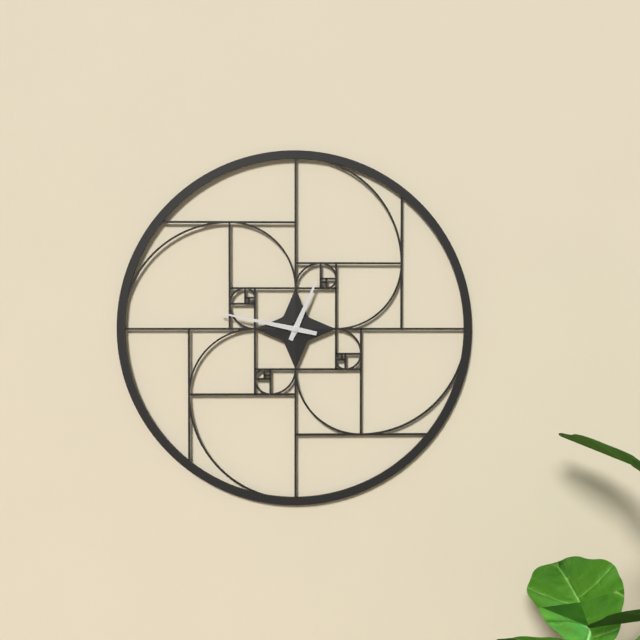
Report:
12,47
